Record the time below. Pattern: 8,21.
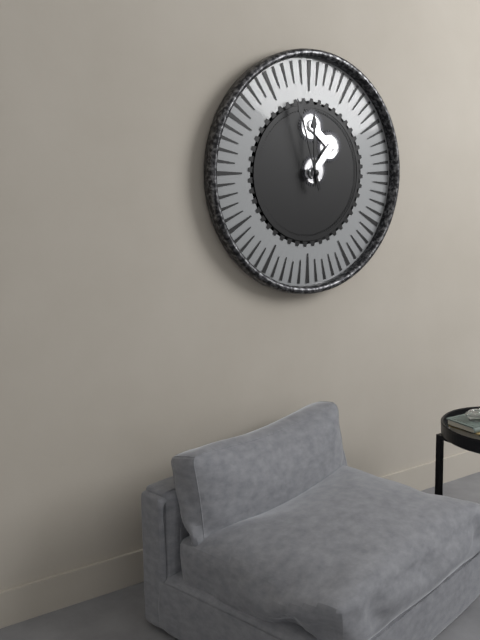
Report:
11,57
